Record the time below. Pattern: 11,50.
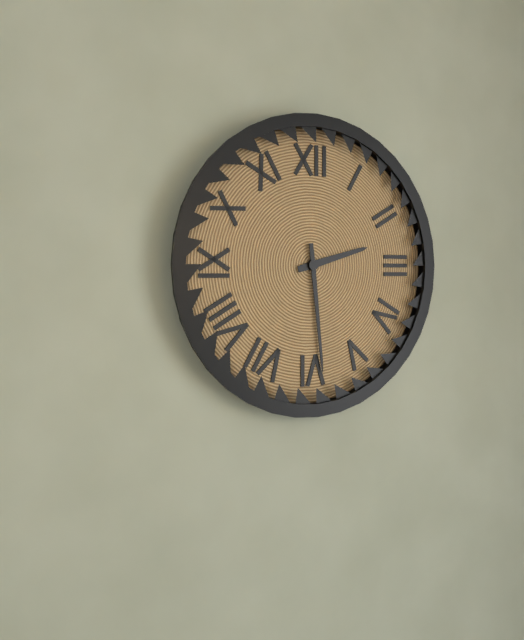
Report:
2,29
